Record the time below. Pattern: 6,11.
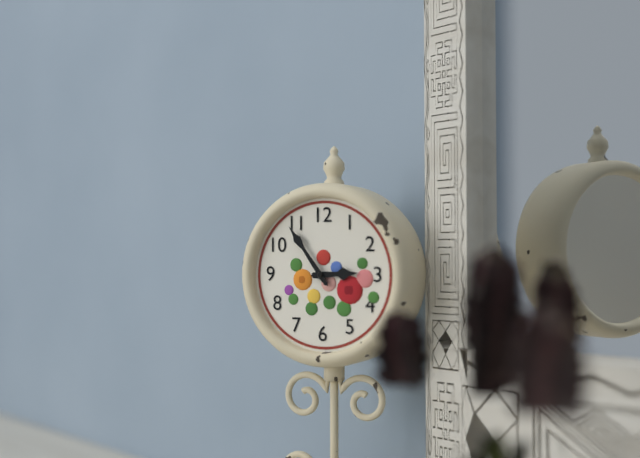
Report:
2,54
